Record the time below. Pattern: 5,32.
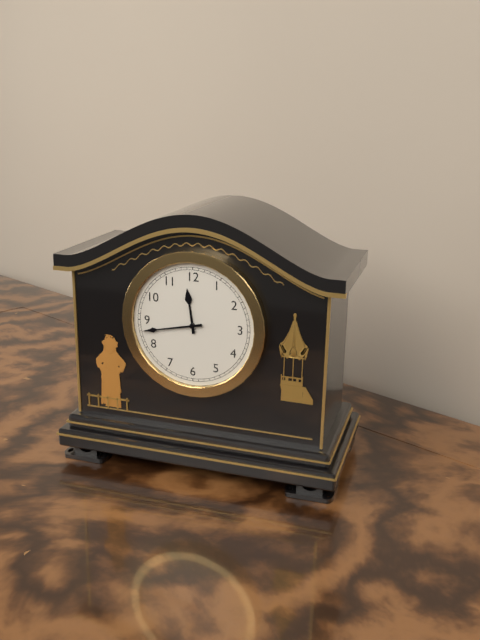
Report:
11,43
